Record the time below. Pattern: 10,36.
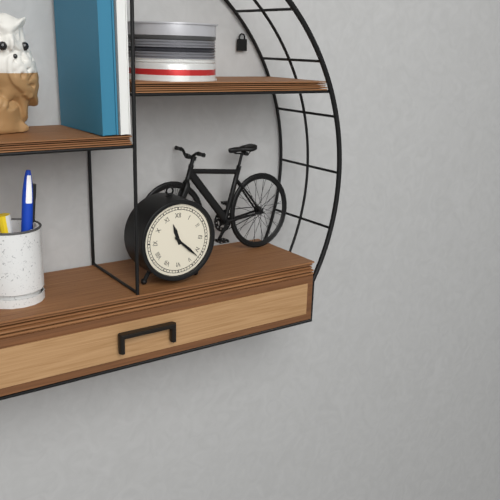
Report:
11,22
